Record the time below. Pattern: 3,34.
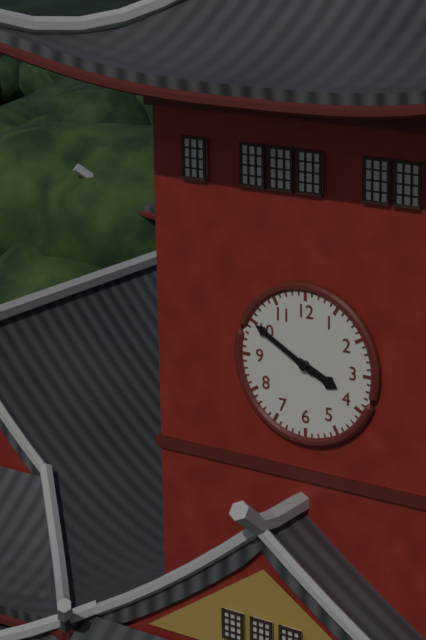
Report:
3,50
